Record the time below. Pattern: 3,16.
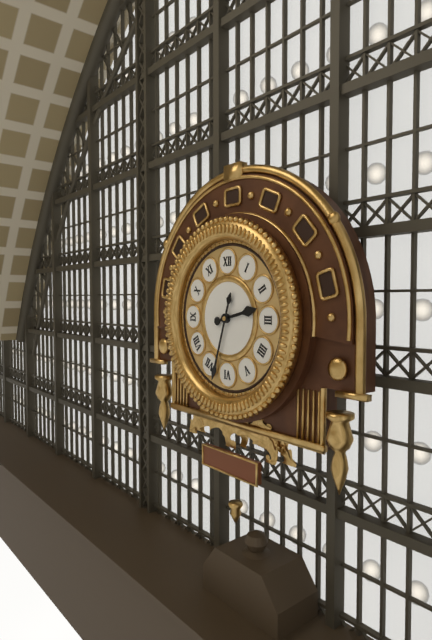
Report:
2,33
